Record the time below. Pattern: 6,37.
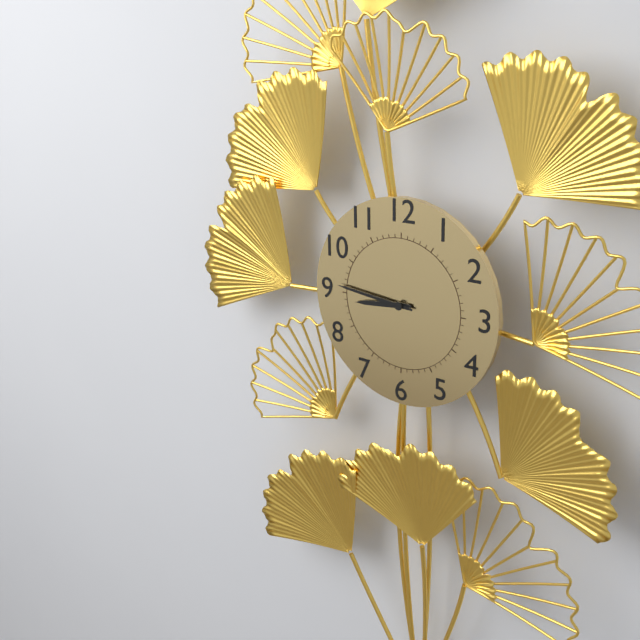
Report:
8,46
